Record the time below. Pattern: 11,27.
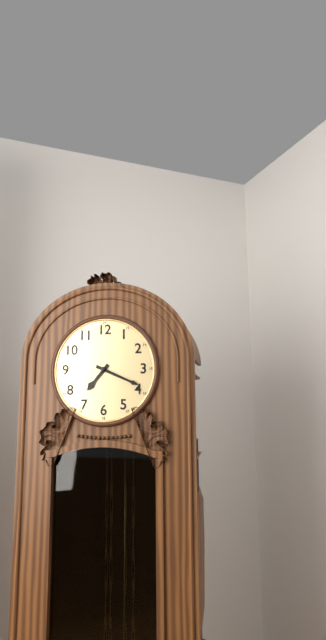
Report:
7,19
